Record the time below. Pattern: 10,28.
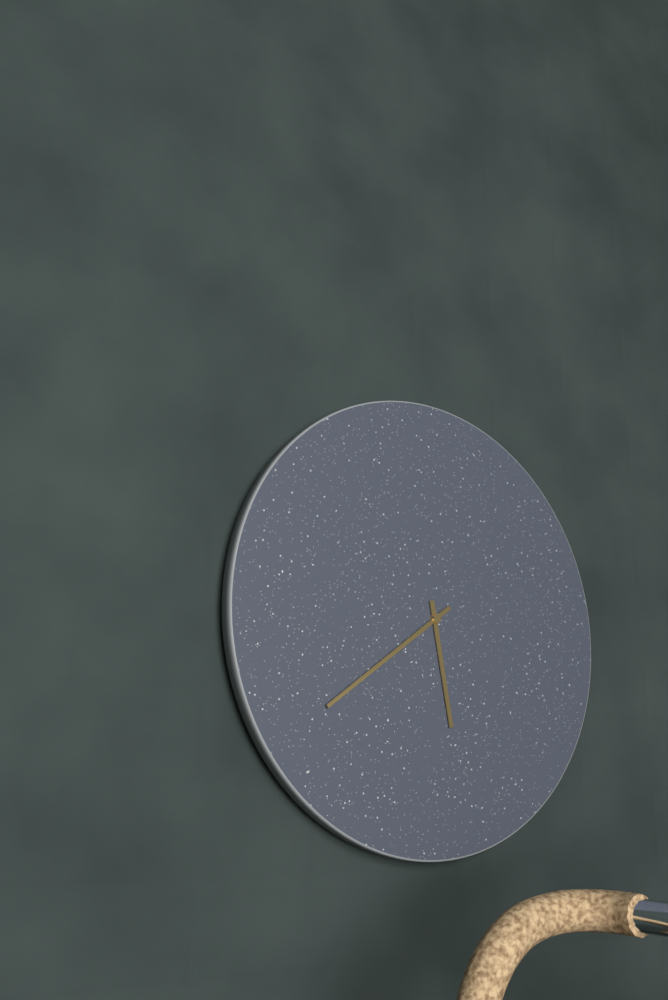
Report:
5,39
